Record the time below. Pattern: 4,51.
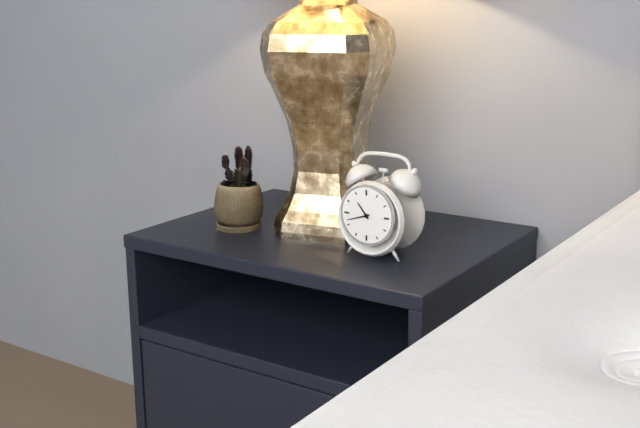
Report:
10,42
